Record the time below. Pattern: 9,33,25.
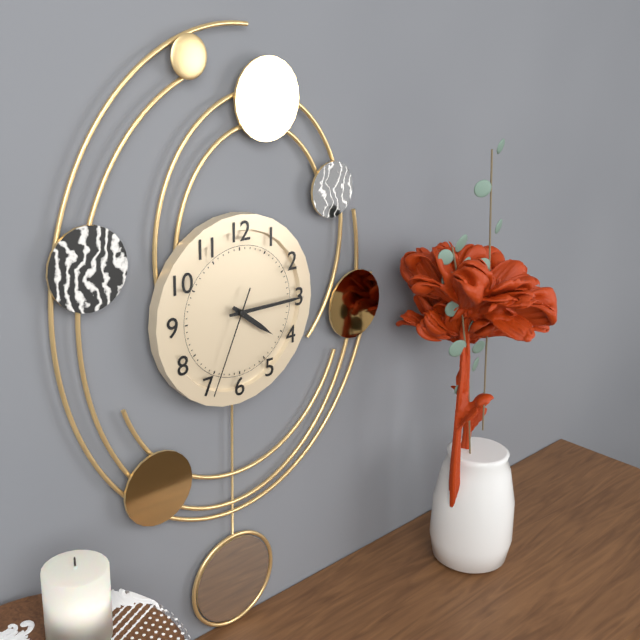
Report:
4,15,34
